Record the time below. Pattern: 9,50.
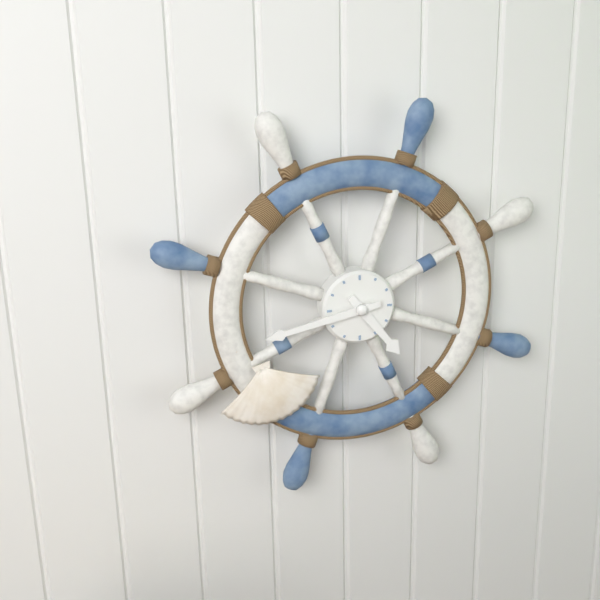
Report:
4,43
